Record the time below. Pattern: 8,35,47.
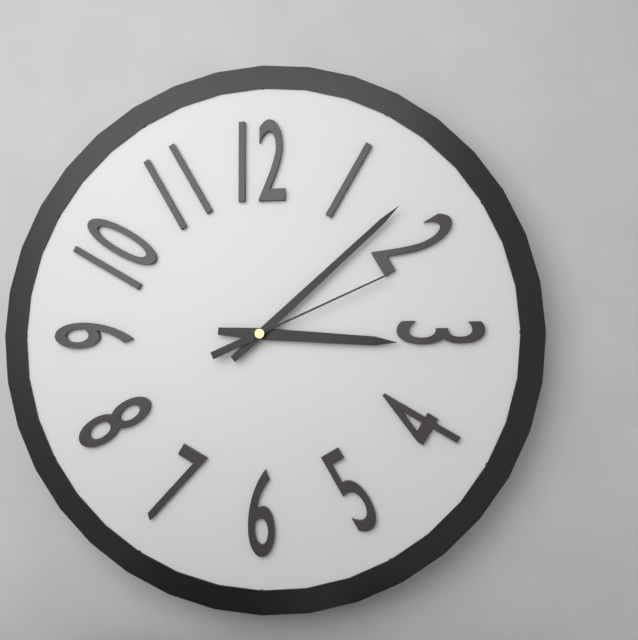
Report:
3,08,11
